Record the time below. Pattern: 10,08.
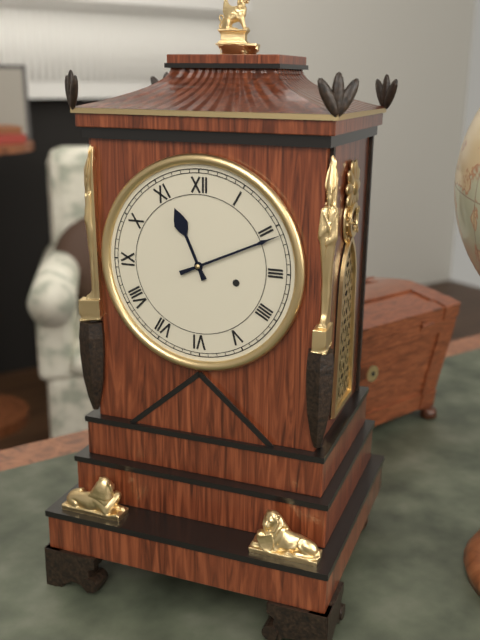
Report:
11,11
